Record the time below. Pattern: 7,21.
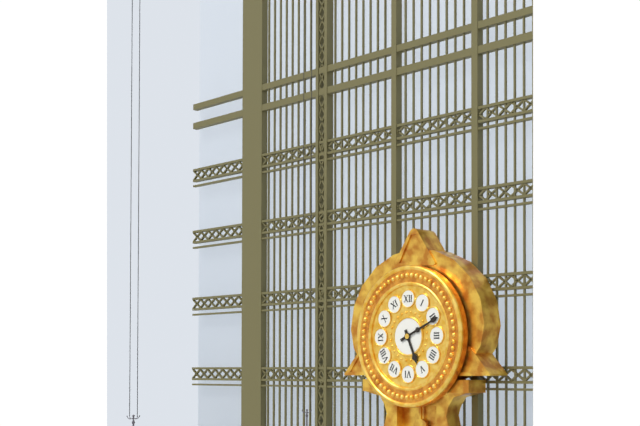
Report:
5,11
